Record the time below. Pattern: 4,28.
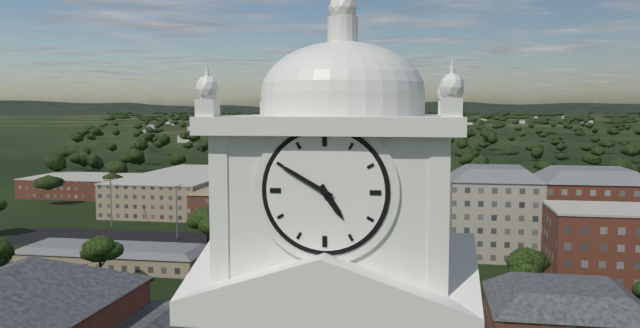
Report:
4,50
